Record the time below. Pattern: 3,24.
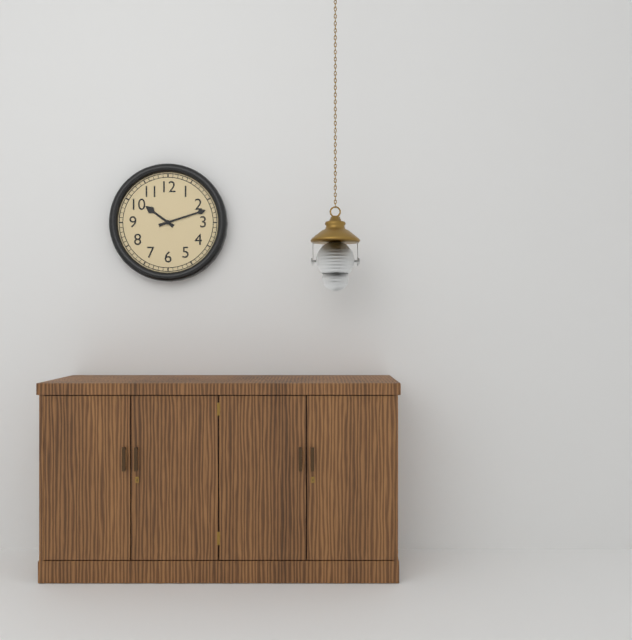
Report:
10,12
